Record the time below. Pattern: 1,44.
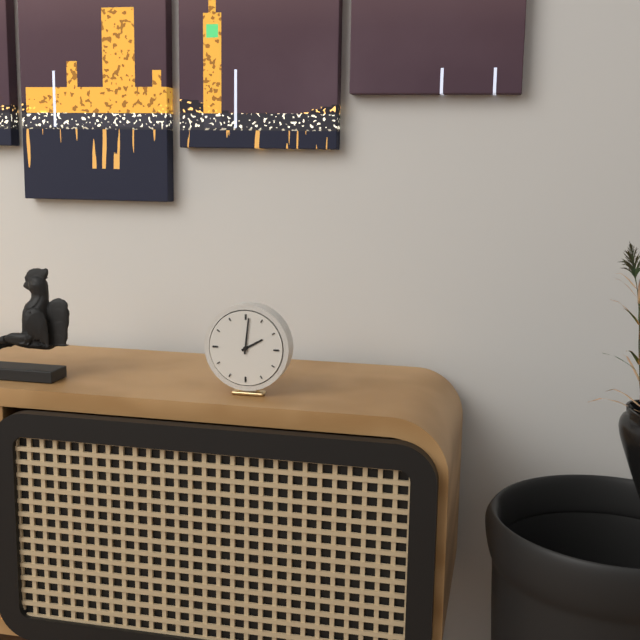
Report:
2,01
